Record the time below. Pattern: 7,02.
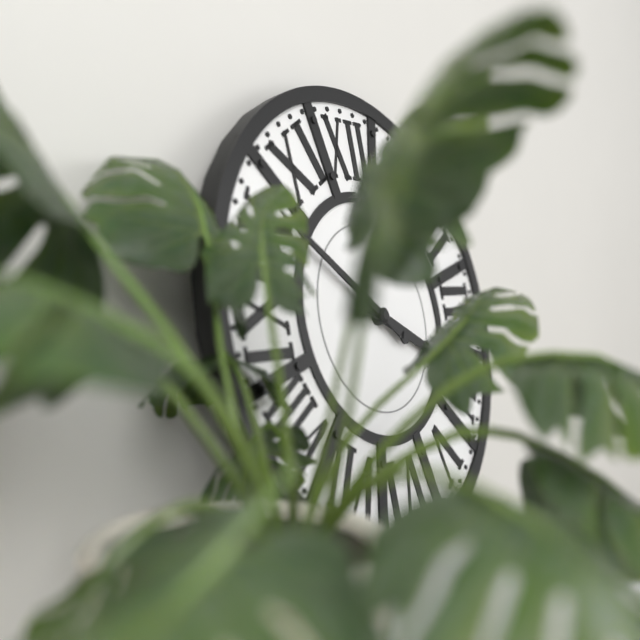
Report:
3,51
